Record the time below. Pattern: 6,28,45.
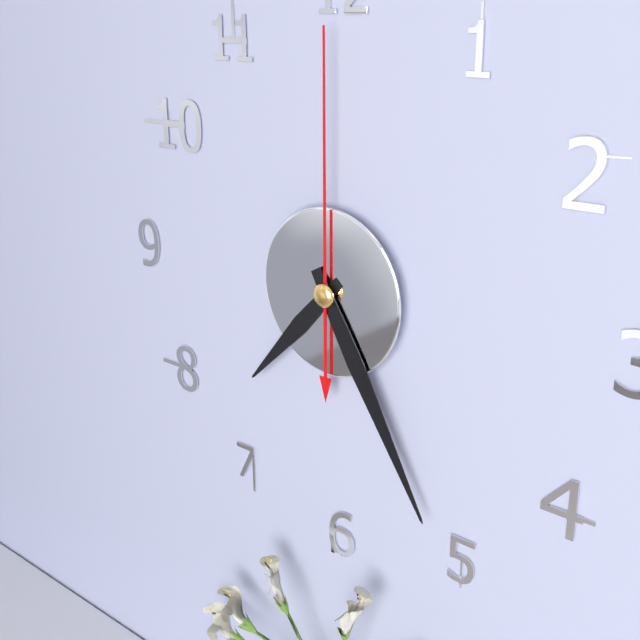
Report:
7,25,00
